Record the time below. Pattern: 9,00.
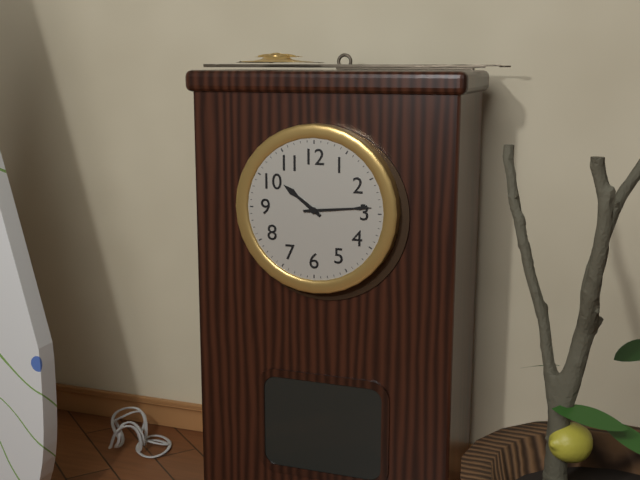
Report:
10,14
